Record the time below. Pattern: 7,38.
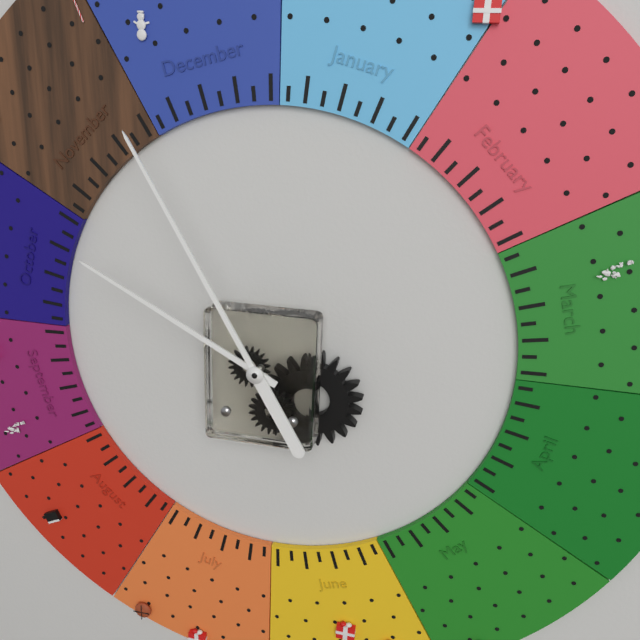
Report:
9,55
